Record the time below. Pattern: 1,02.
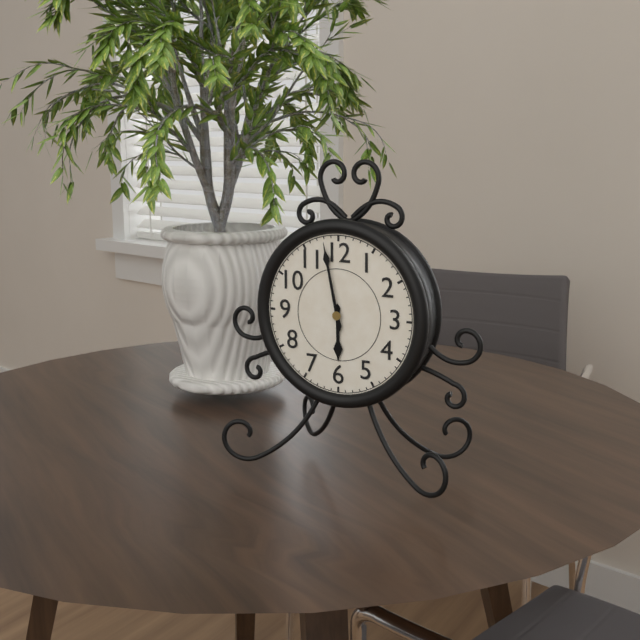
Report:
5,58
